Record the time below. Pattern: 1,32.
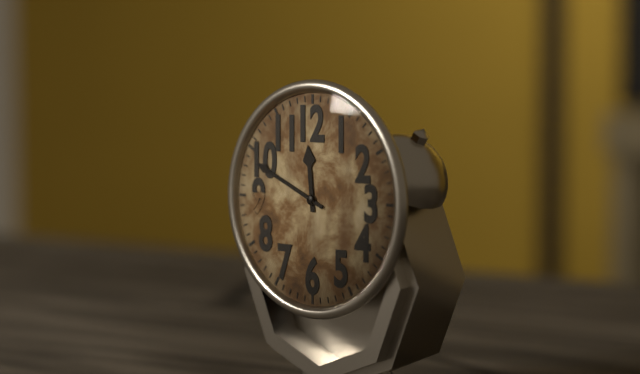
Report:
11,49
